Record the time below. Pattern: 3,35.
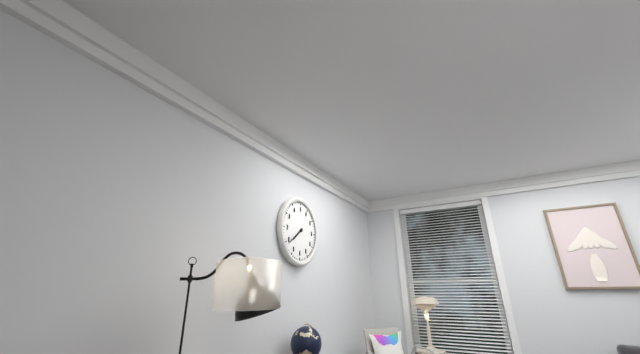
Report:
7,39
